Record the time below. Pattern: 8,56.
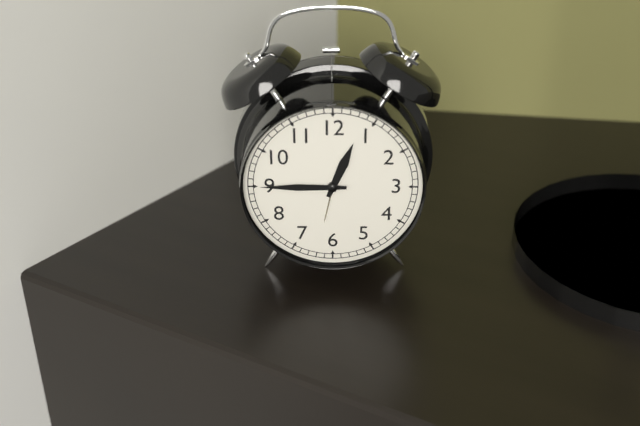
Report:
12,45
